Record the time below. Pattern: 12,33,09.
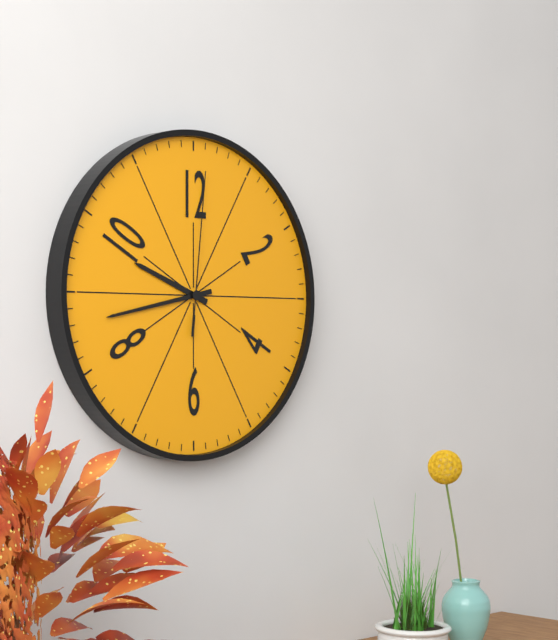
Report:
9,43,01
